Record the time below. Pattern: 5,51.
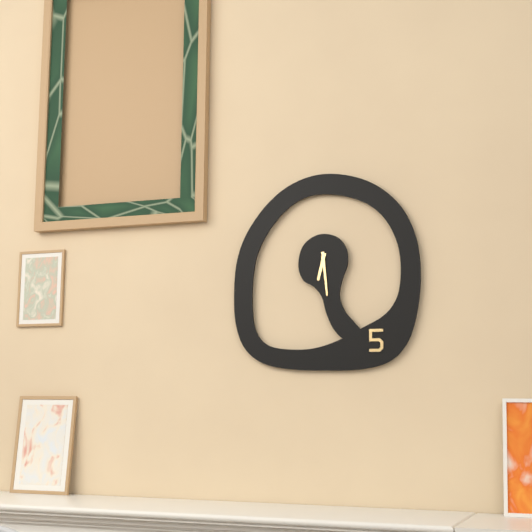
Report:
6,29
